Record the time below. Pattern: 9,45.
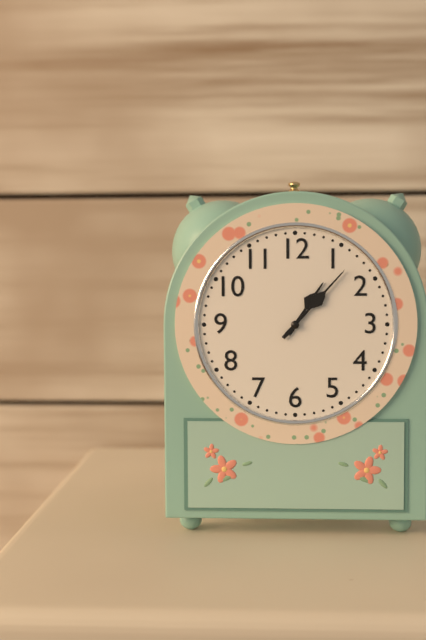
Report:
1,07
